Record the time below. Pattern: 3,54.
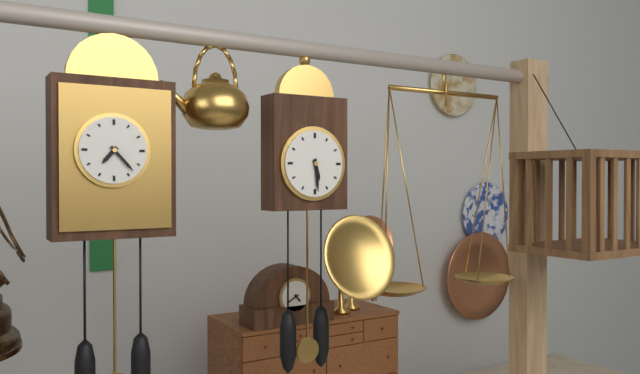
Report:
5,29
